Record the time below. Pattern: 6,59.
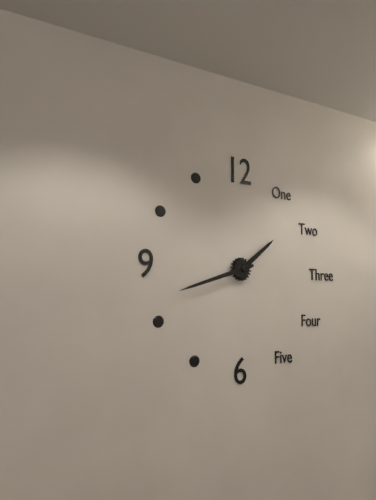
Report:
1,42
